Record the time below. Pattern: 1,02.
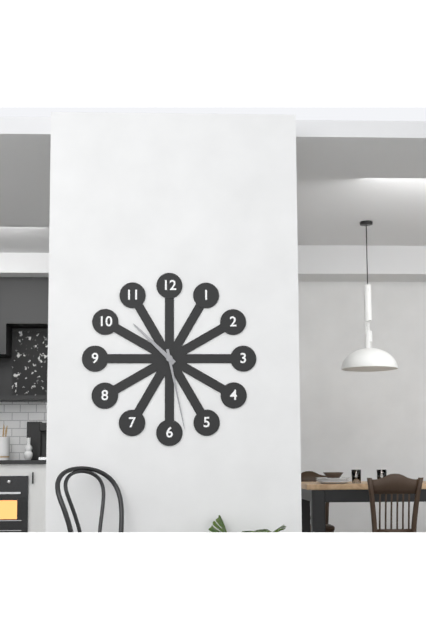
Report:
10,28
